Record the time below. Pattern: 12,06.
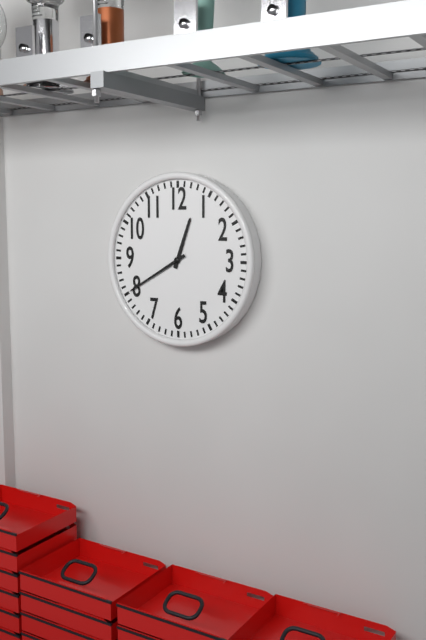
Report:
12,40
